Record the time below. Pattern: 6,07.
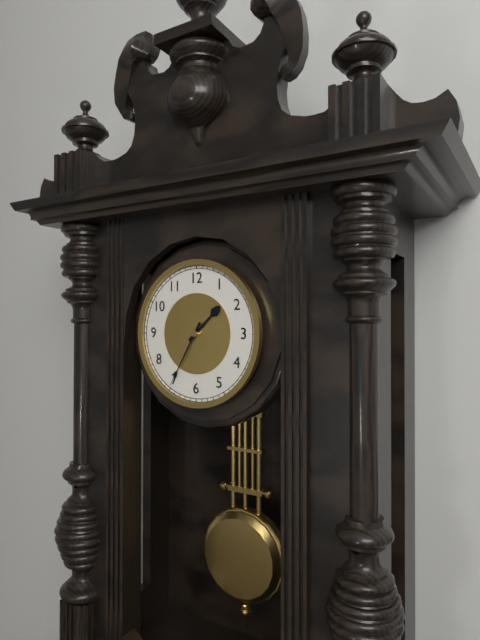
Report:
1,35
